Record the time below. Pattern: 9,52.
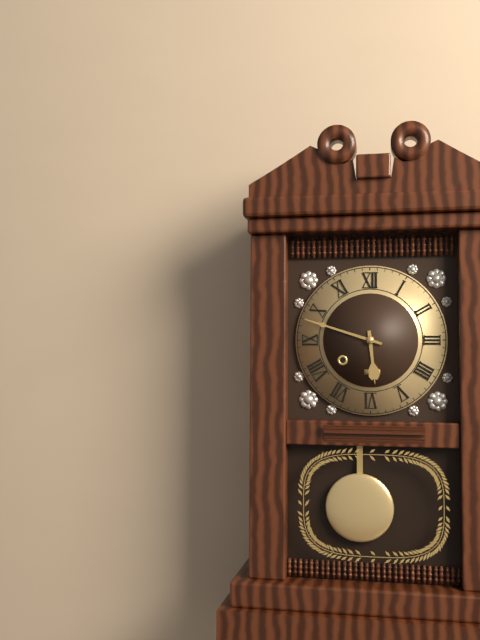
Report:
5,48
